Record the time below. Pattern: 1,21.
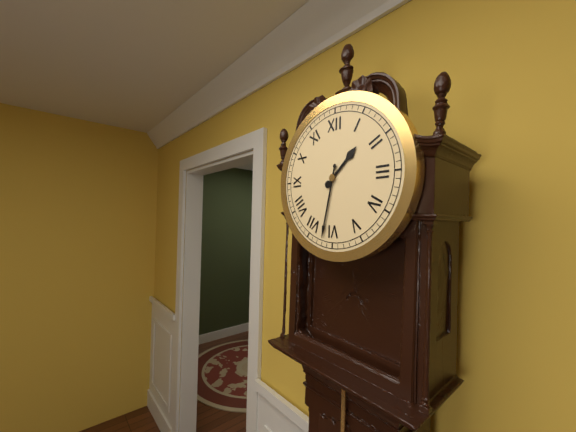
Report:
1,32
